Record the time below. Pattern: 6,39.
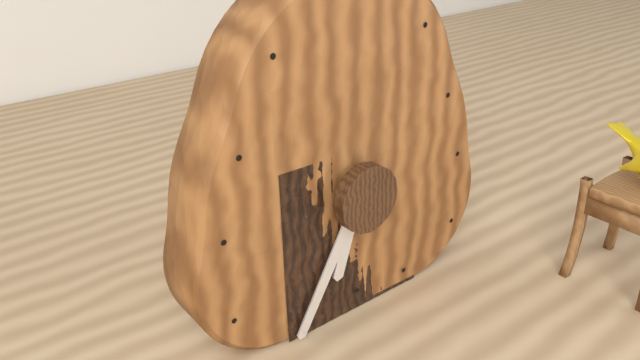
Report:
6,35
